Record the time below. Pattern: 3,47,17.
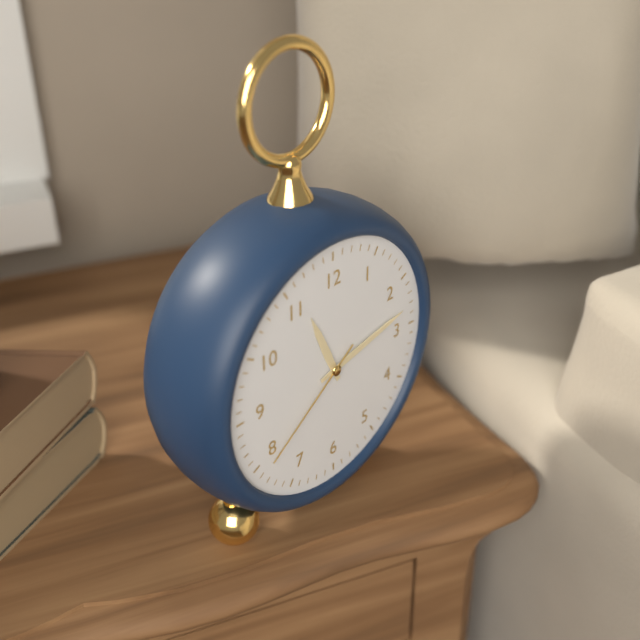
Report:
11,13,39
